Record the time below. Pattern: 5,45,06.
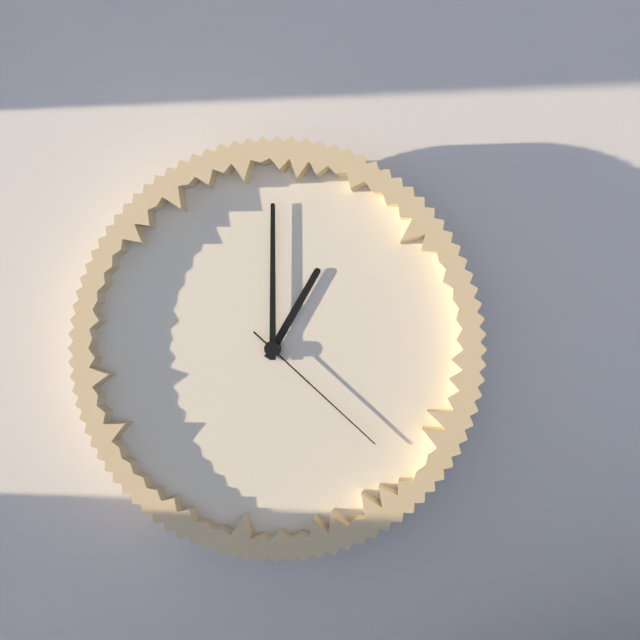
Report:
1,00,22
